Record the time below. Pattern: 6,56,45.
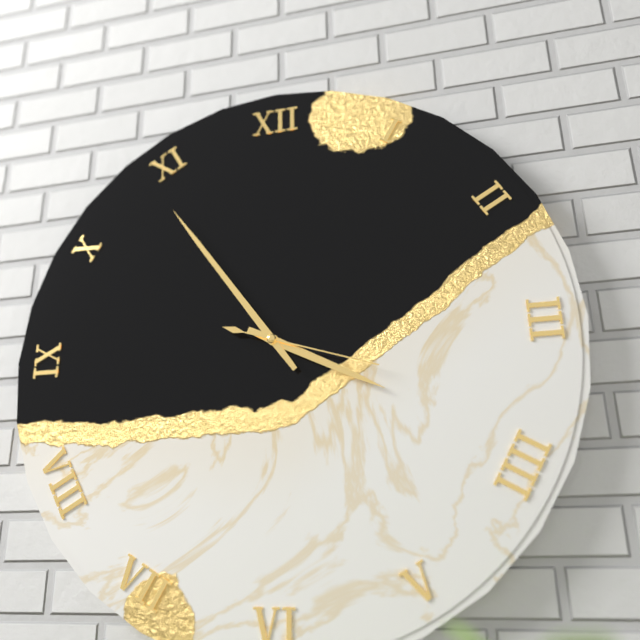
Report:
3,54,18
